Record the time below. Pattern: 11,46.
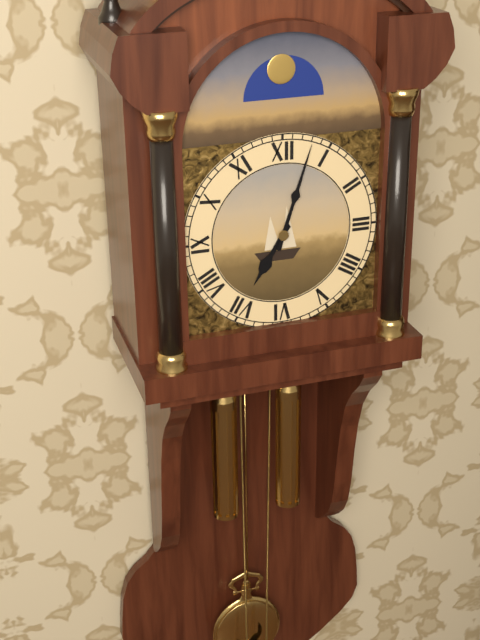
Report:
7,03
